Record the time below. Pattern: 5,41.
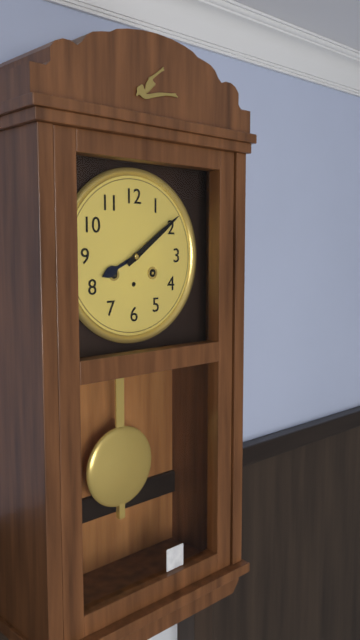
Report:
8,09
